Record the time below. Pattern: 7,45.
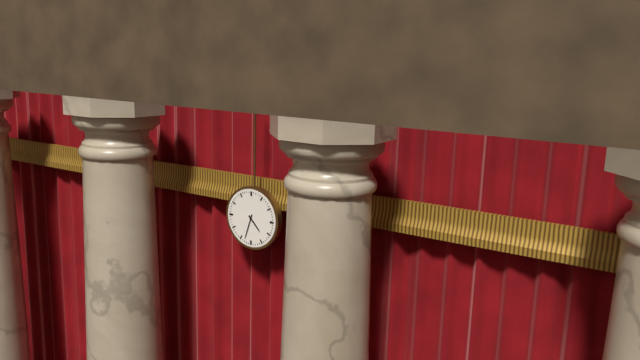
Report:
4,33
